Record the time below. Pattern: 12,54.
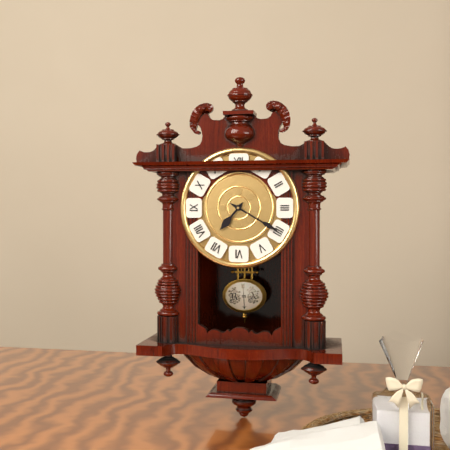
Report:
7,20
